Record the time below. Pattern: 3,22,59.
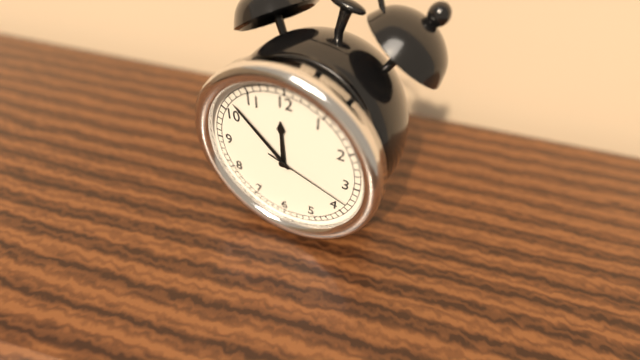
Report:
11,52,18
